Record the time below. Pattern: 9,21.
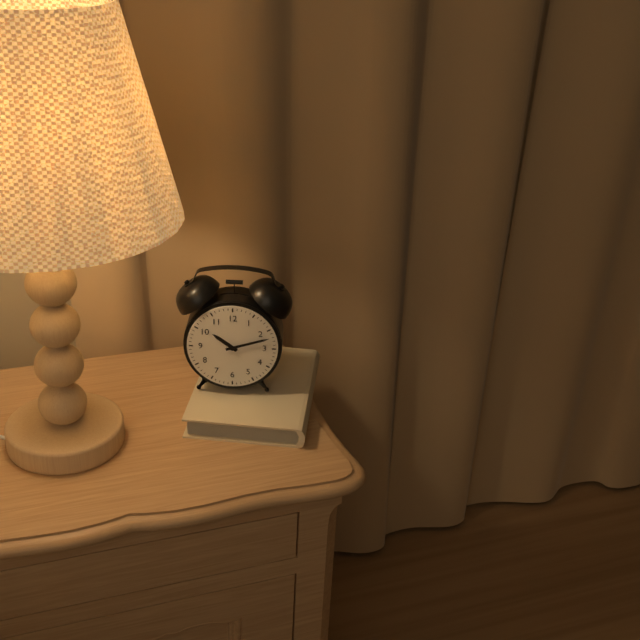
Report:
10,12
